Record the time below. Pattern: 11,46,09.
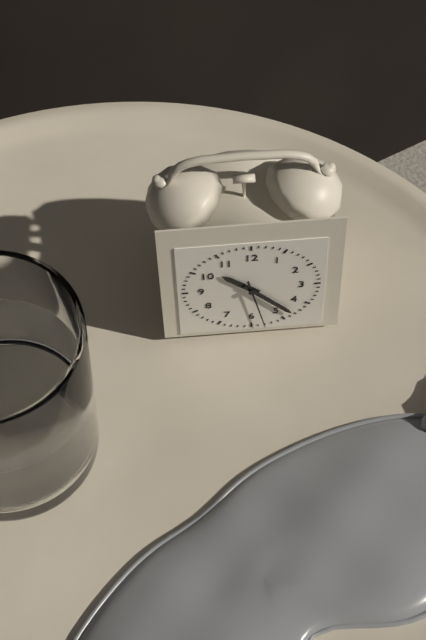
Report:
10,23,28
